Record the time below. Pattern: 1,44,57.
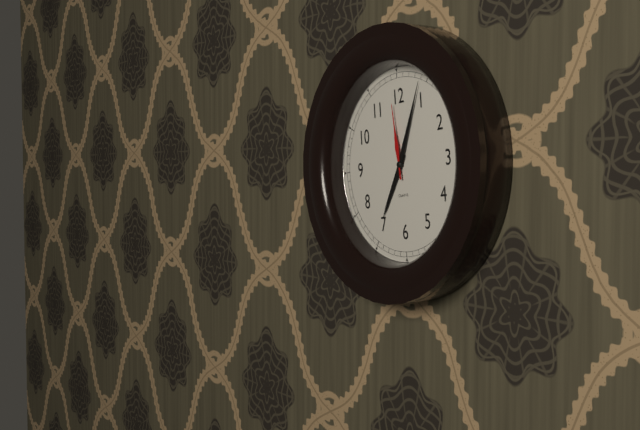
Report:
7,04,59
